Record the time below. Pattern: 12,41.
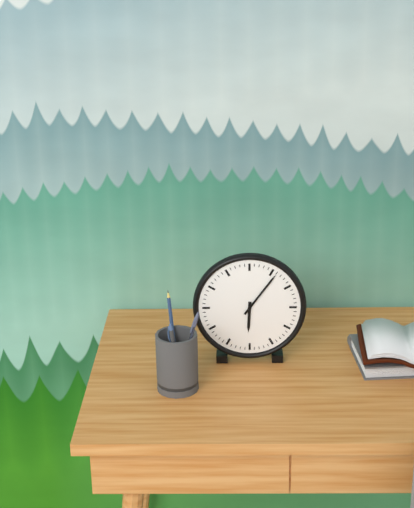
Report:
6,06
